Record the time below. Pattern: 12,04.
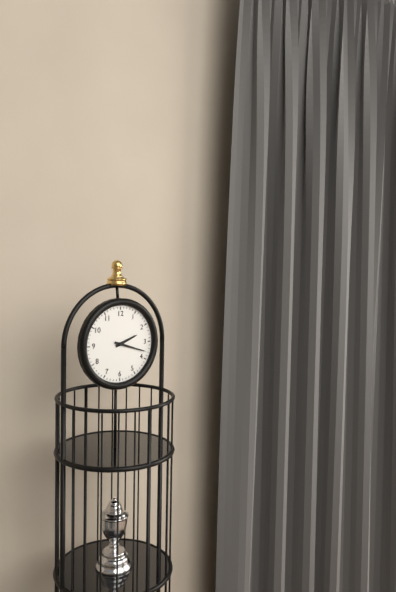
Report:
2,18
